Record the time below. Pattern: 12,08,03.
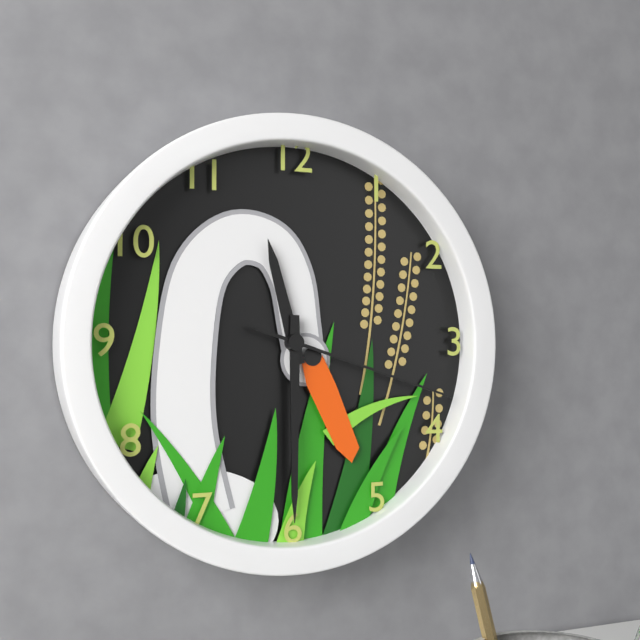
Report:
11,30,18
